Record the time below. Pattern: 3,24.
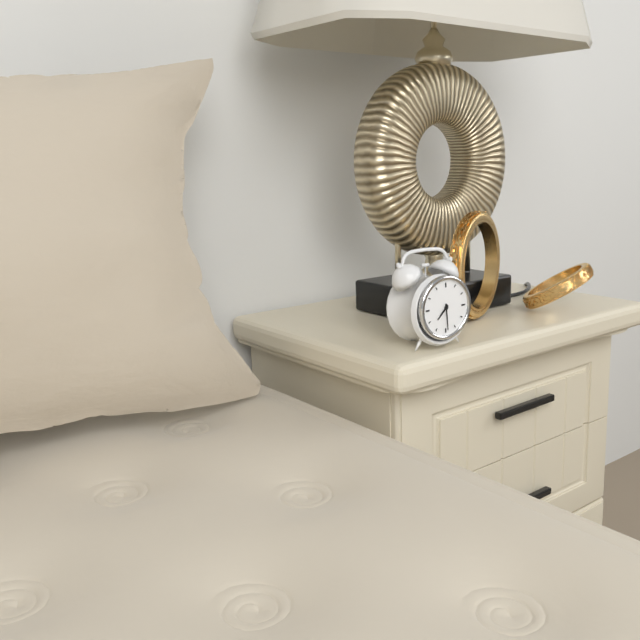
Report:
7,29
